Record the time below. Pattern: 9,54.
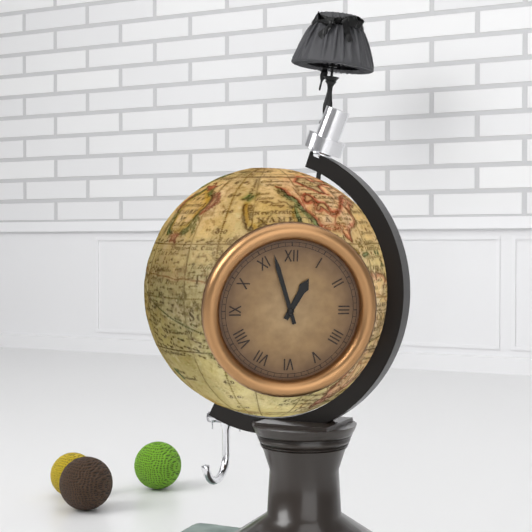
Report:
12,57
